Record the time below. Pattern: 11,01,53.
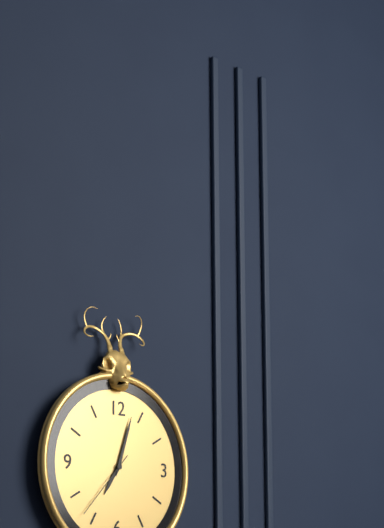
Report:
7,03,37
